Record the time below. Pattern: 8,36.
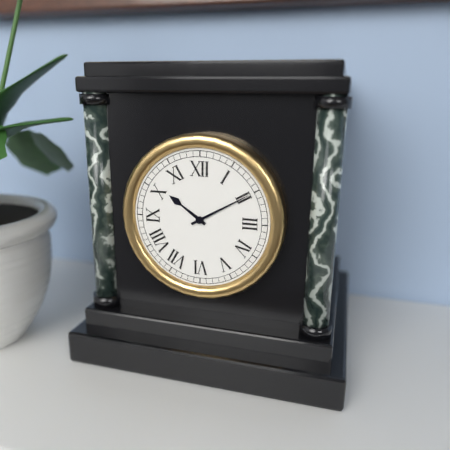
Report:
10,10
